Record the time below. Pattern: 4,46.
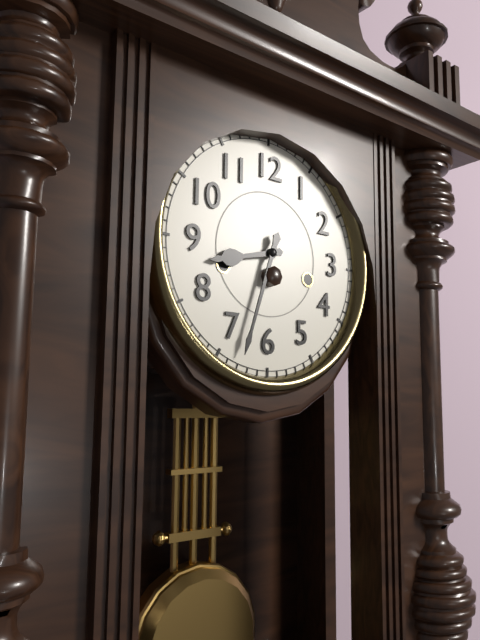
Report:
8,33
